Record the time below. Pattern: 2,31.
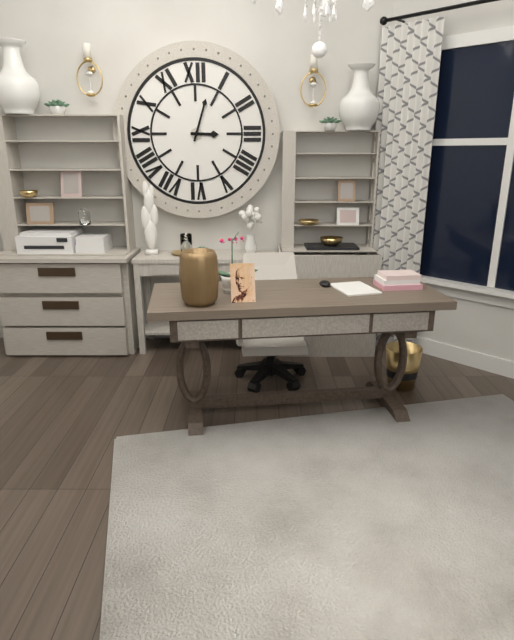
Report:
3,03
